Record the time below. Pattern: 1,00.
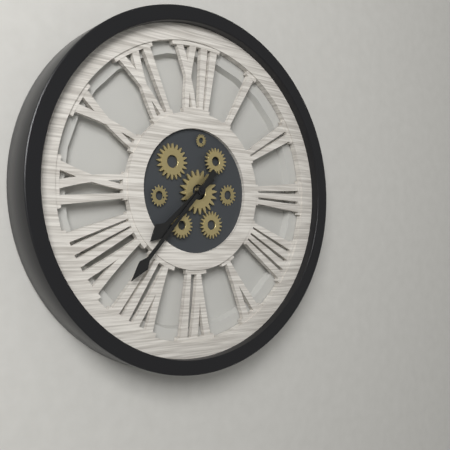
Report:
7,37
